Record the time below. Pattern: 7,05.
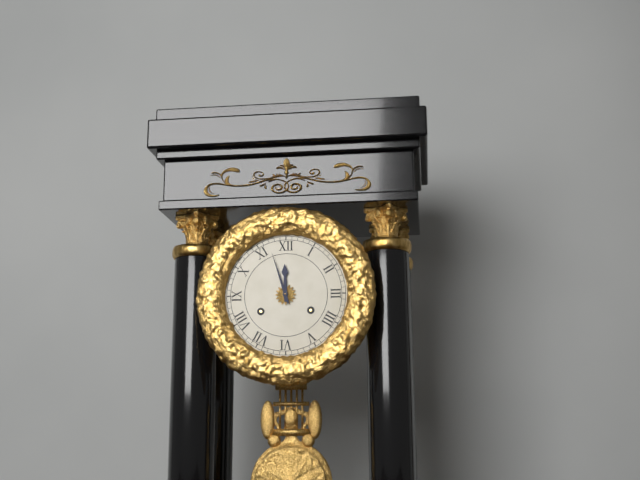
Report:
11,57
